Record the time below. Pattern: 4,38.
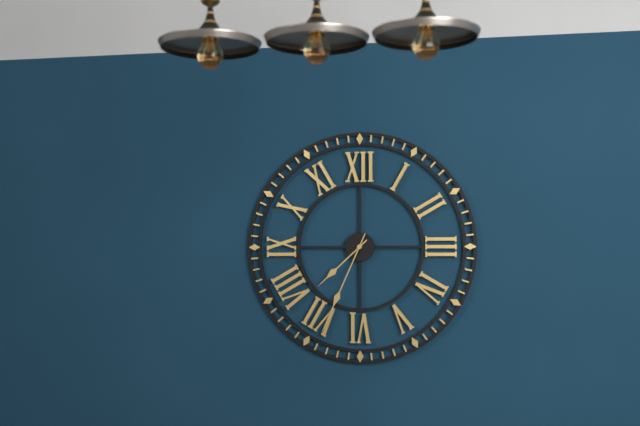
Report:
7,34
